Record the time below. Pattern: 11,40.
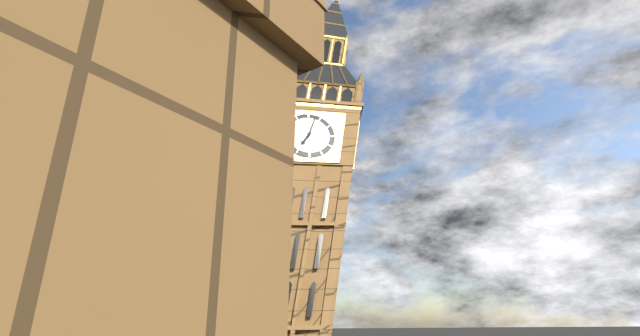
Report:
7,03
